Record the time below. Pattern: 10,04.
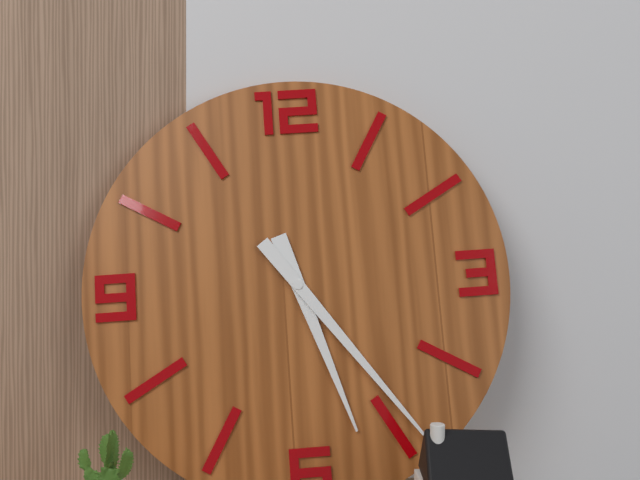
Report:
5,24
